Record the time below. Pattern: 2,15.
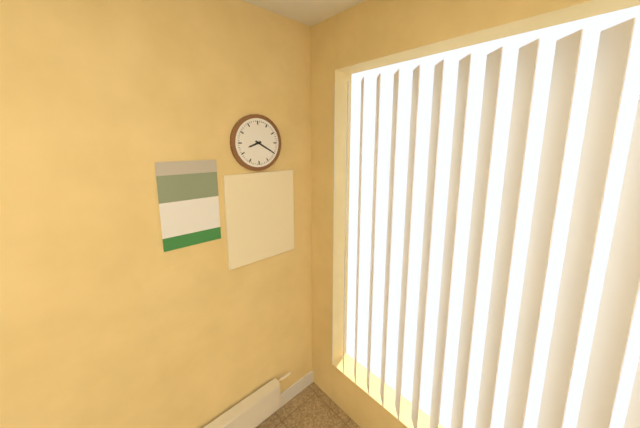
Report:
8,20
